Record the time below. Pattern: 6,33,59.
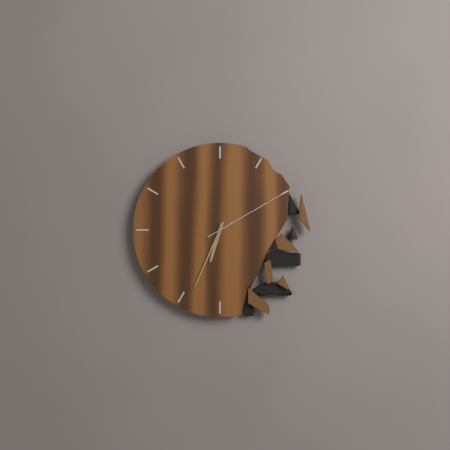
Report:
6,34,10
